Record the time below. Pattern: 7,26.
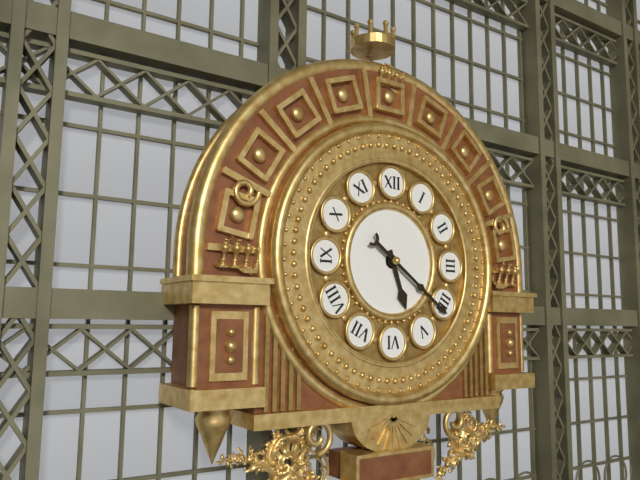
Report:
5,21
